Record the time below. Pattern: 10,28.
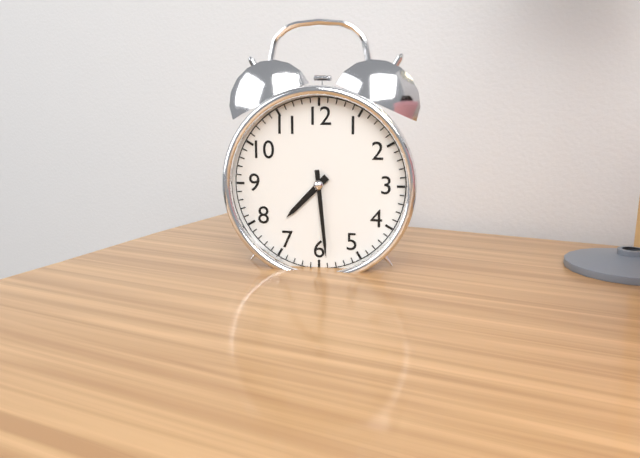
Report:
7,29
